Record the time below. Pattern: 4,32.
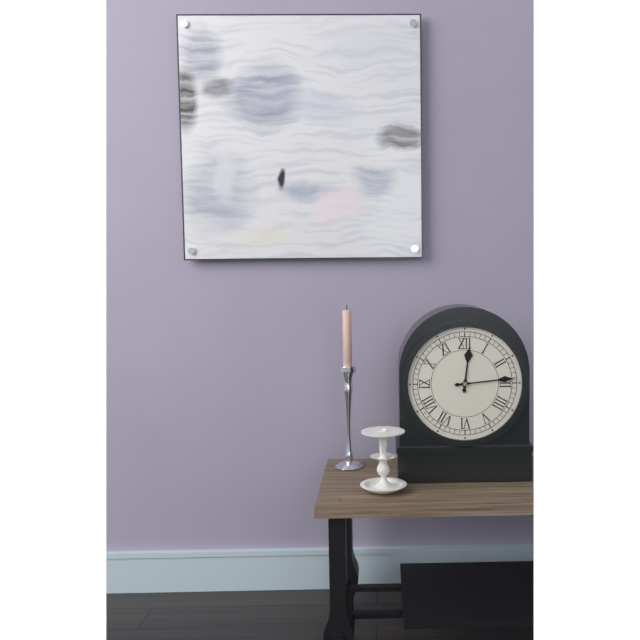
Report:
12,14
